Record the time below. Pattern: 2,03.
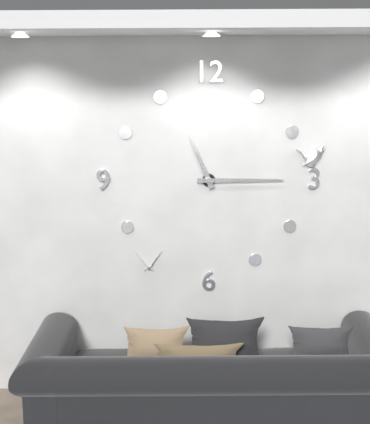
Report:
11,15
